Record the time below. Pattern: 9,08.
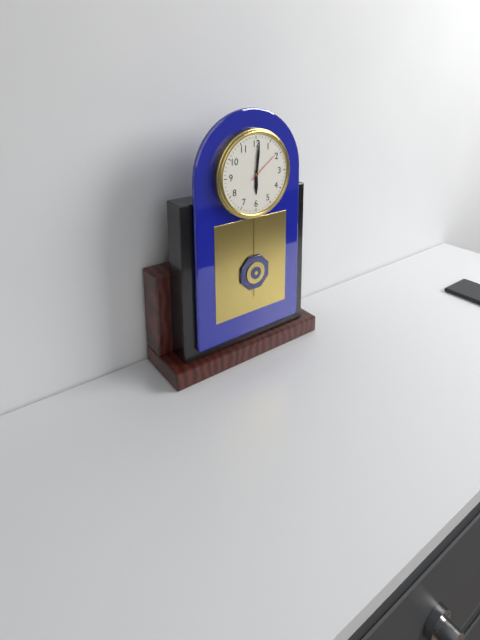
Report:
6,01
